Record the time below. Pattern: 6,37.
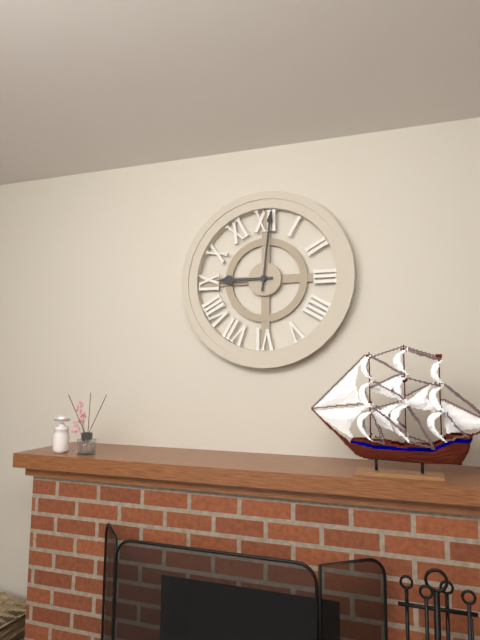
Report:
9,01
